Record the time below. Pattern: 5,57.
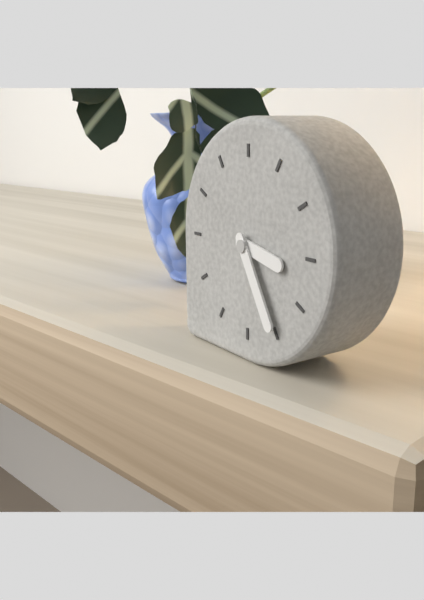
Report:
3,25
